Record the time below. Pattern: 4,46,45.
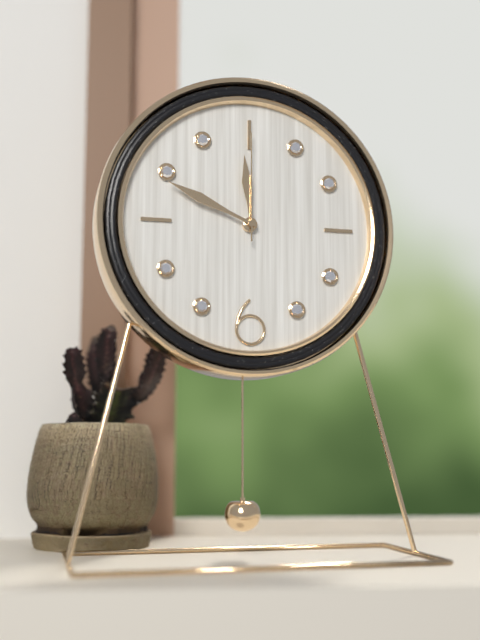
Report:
11,49,00
